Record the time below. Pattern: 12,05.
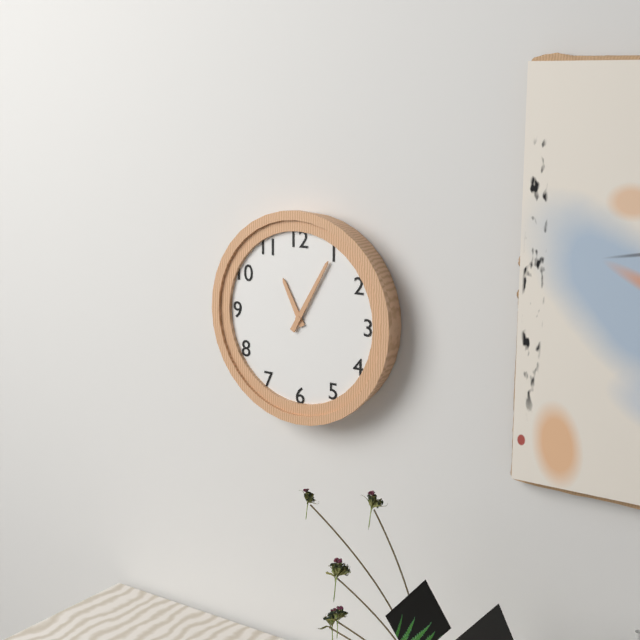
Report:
11,05
